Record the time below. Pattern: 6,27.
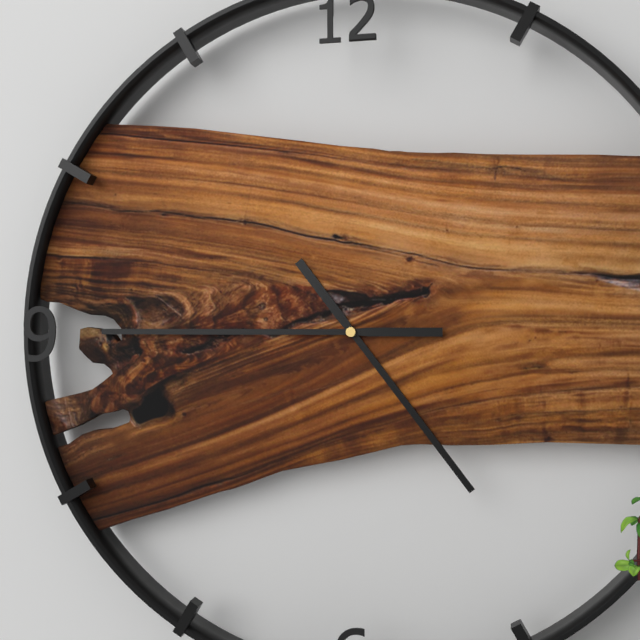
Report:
4,45
